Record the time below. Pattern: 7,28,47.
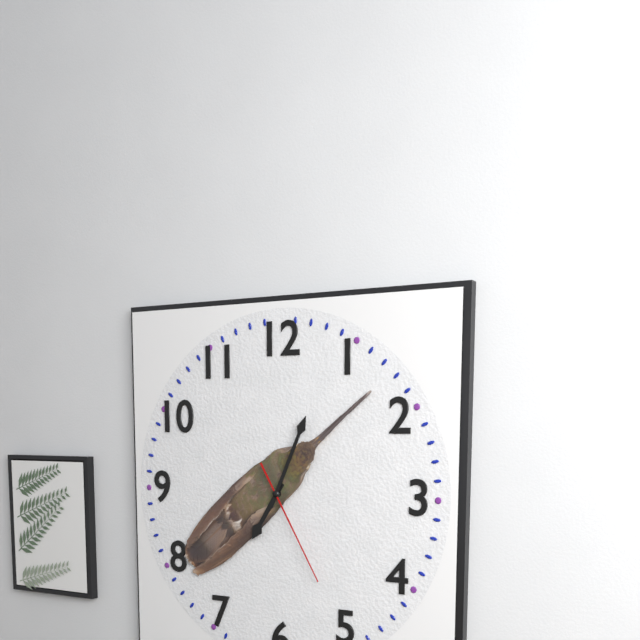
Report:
7,04,25
